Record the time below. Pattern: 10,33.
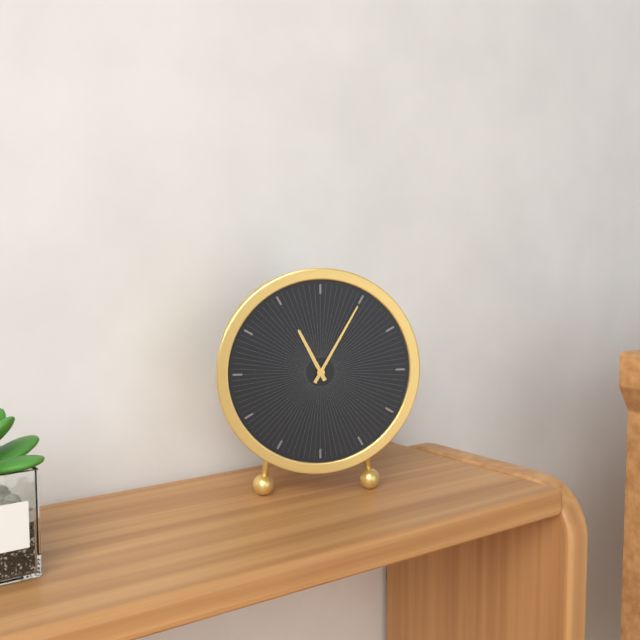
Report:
11,05
